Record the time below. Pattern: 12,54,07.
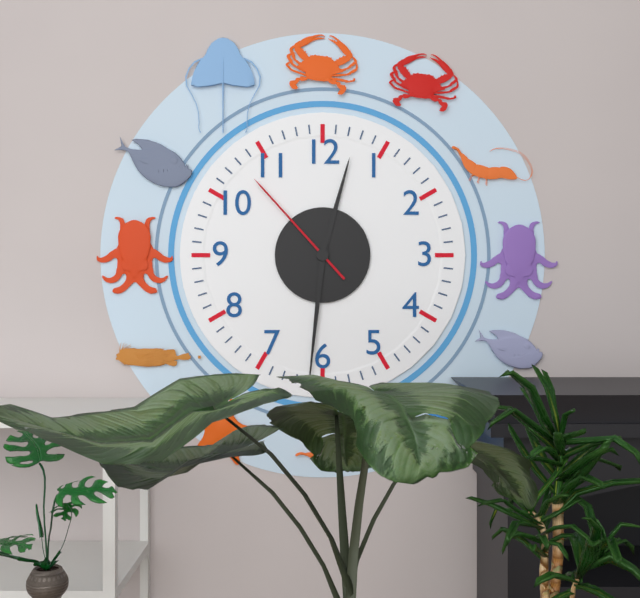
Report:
12,31,53
